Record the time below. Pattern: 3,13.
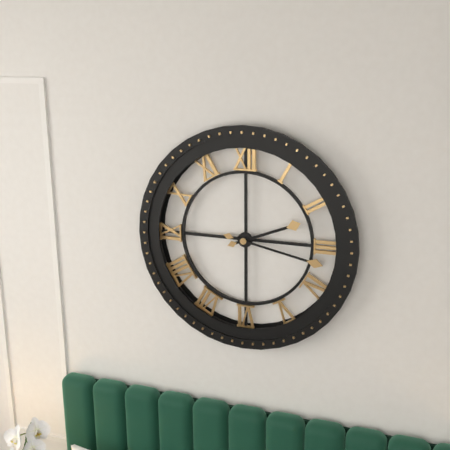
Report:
2,17
